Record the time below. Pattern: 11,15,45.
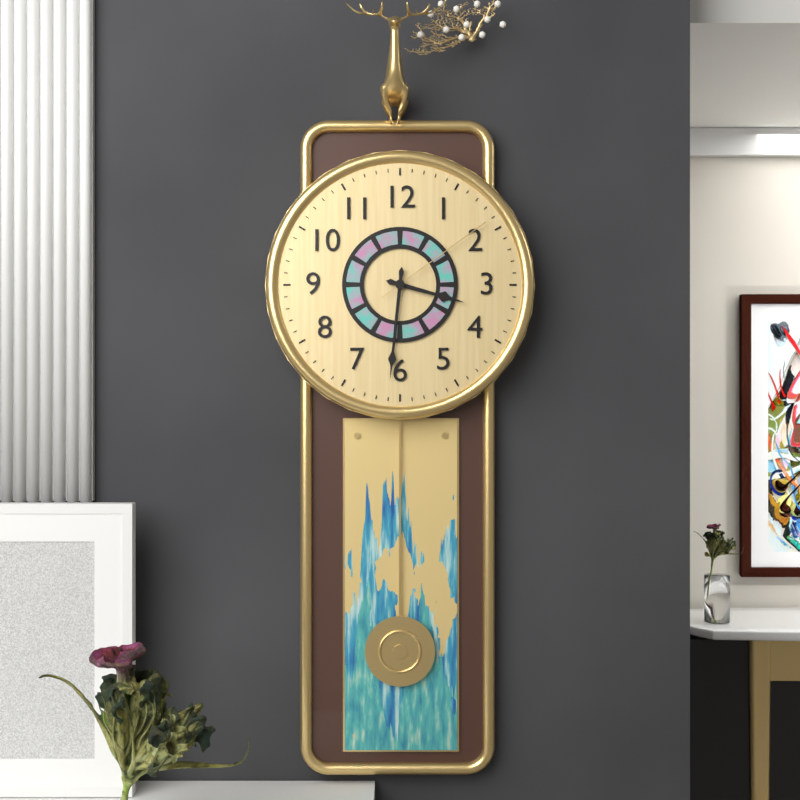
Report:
3,31,09
